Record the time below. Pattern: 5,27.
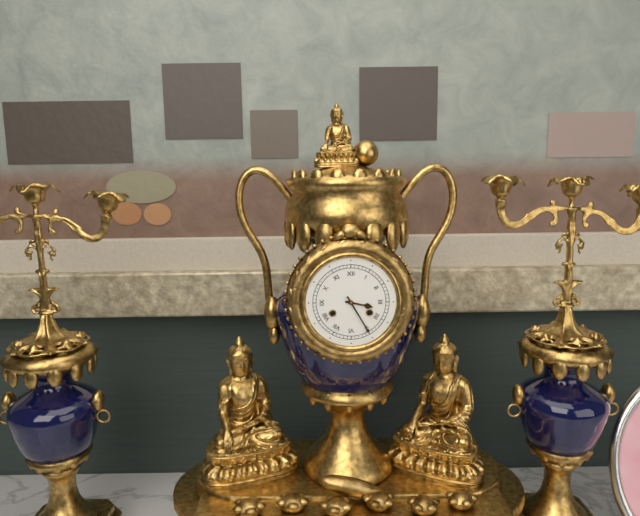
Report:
3,25
